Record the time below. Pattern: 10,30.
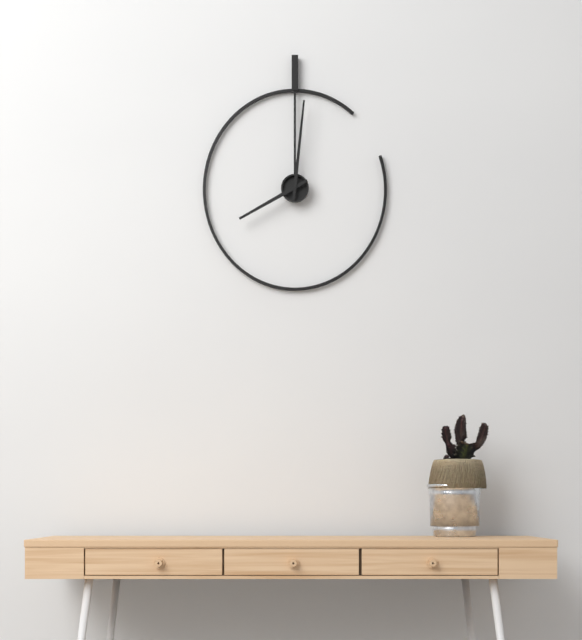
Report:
8,01
